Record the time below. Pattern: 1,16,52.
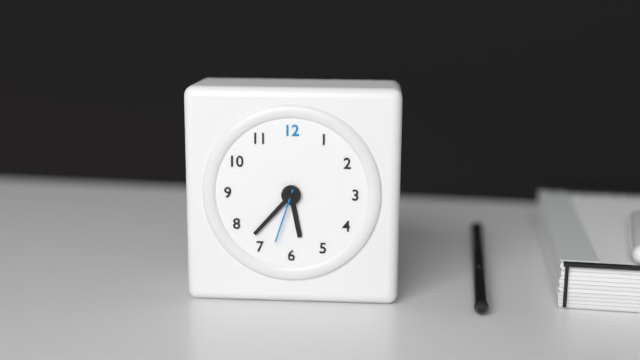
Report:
5,37,33
